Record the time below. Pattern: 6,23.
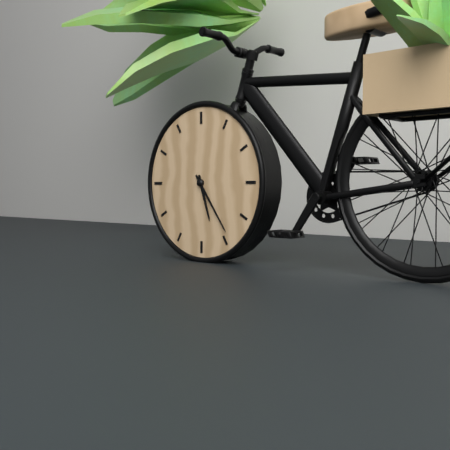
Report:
5,24
